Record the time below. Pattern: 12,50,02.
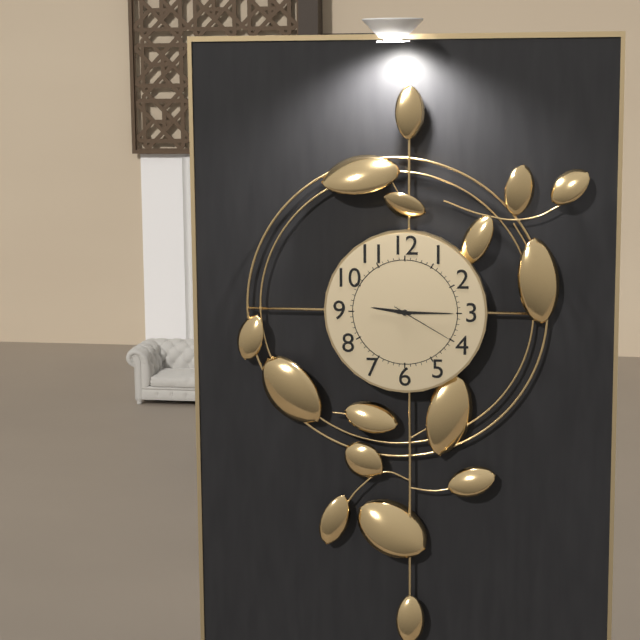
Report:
9,15,20
